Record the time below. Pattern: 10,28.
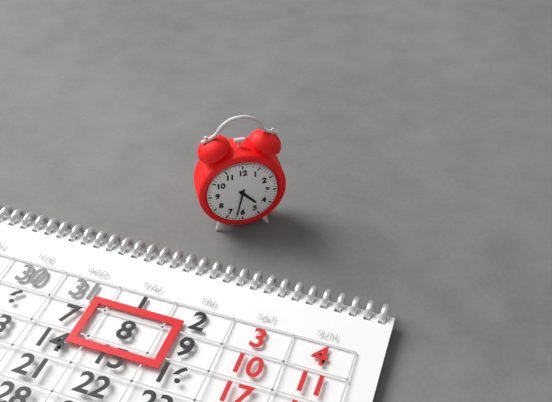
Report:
4,32
